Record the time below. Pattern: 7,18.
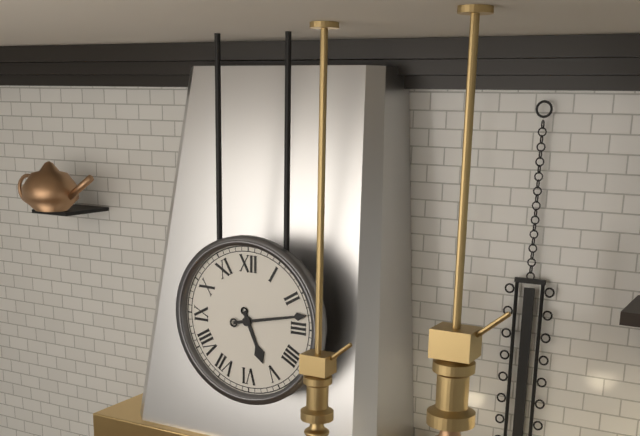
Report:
5,13
